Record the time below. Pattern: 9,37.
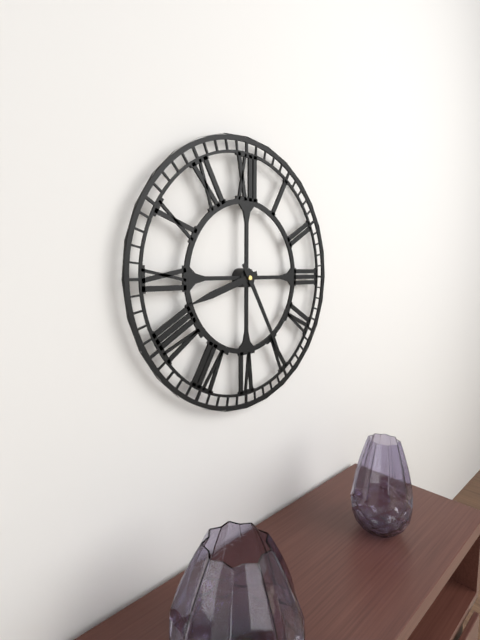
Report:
8,25
